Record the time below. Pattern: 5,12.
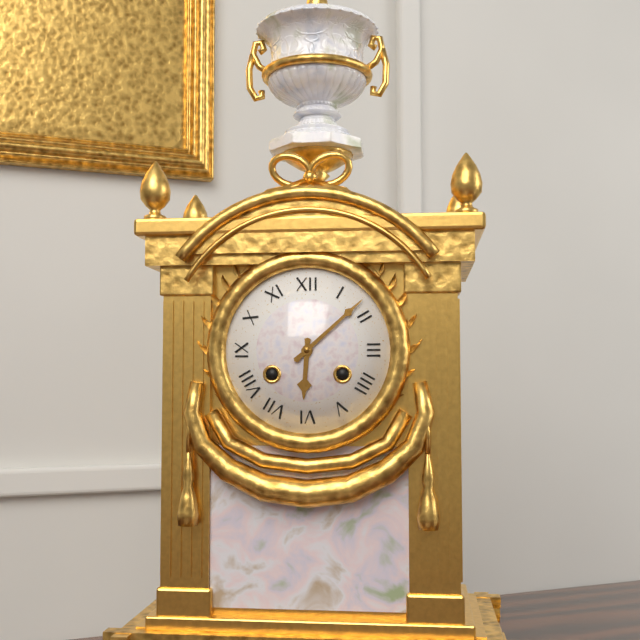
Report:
6,08
